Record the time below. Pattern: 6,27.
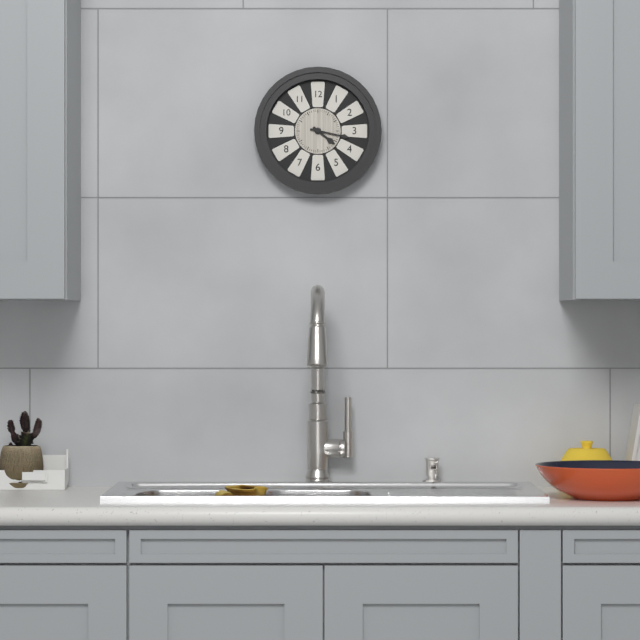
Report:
4,17
